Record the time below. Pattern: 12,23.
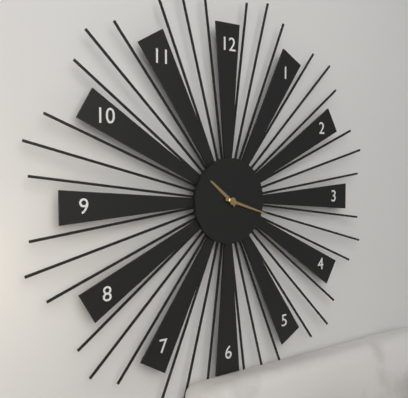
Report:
10,18
